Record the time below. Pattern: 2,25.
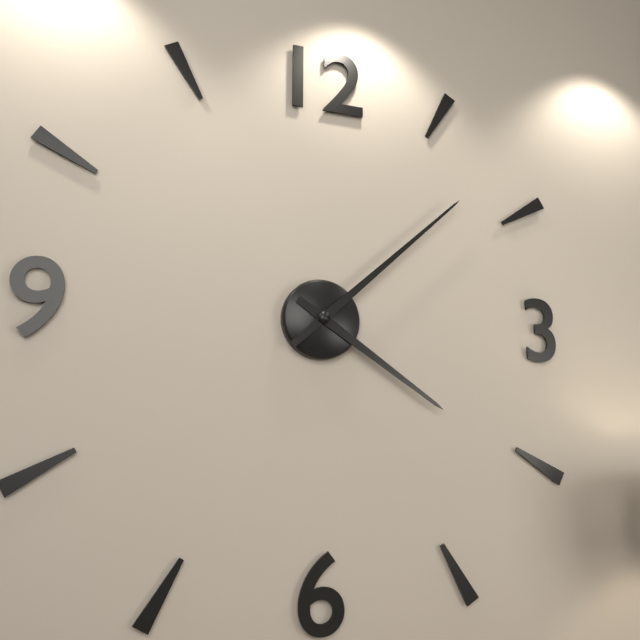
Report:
4,08
